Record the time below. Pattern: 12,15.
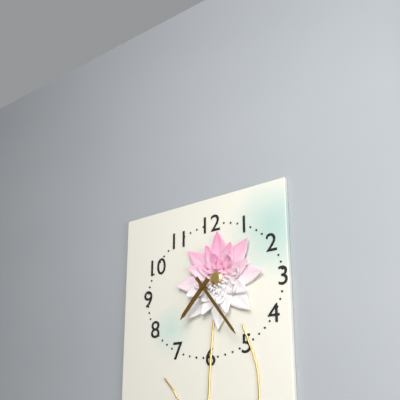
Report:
7,24
